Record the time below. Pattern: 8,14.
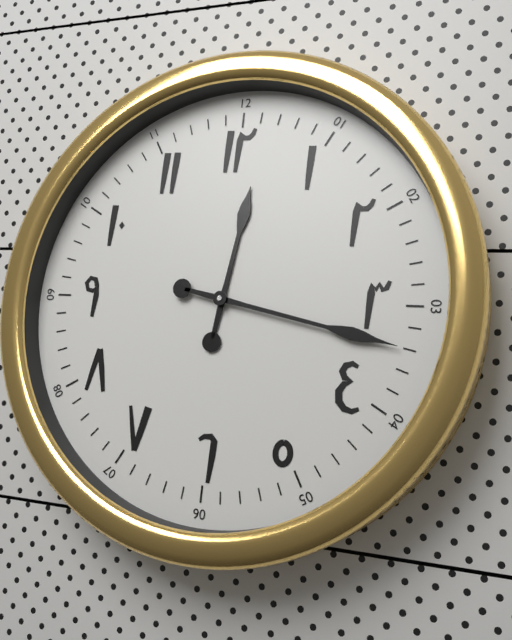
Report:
12,17
